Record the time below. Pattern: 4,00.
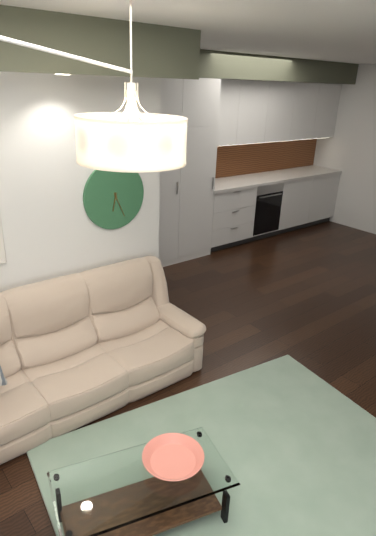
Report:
6,26
